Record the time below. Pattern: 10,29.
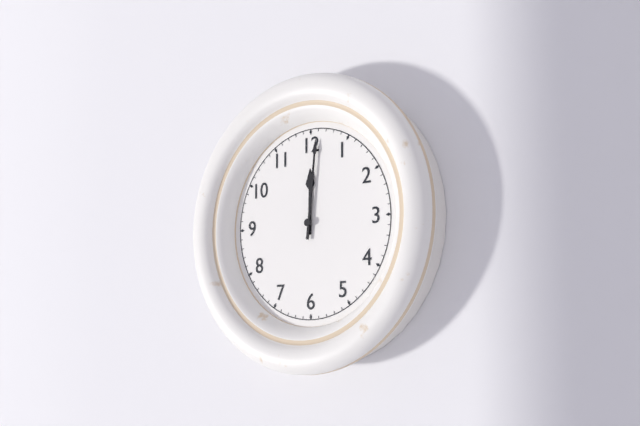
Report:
12,01
